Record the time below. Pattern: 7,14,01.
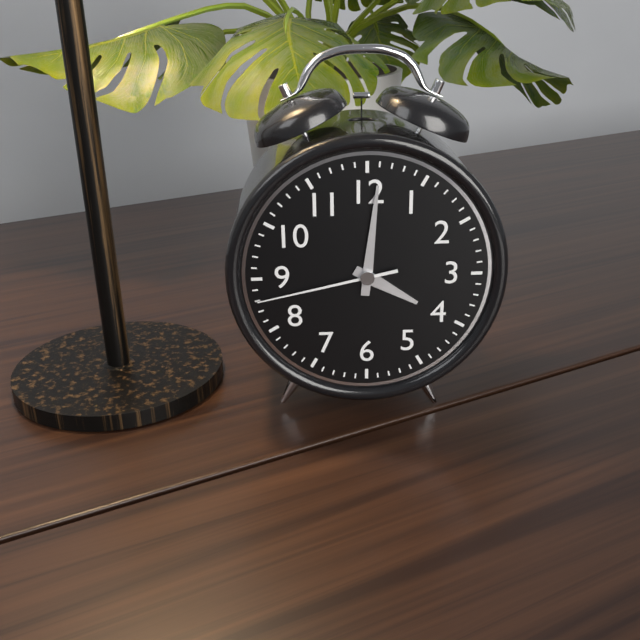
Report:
4,01,43
